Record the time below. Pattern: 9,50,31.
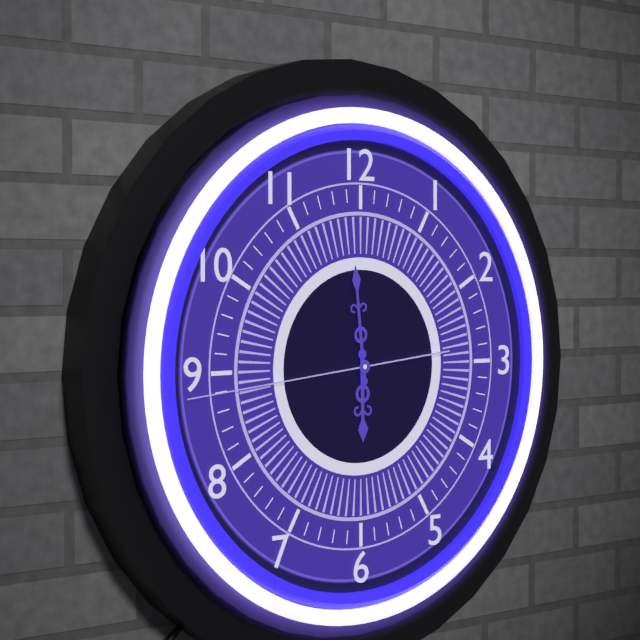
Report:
5,59,44
